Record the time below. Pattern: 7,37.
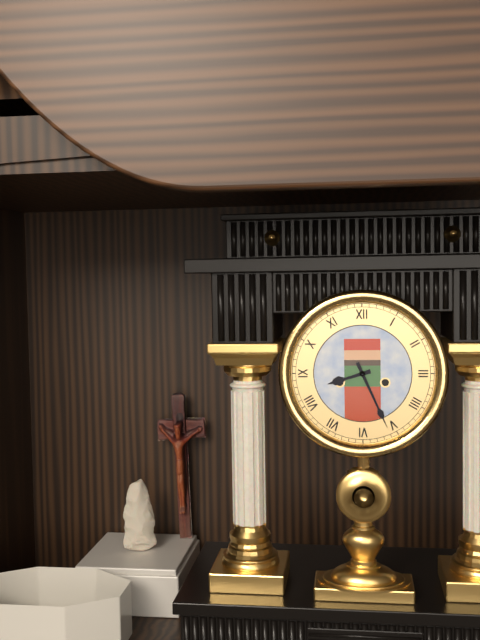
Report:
8,26
